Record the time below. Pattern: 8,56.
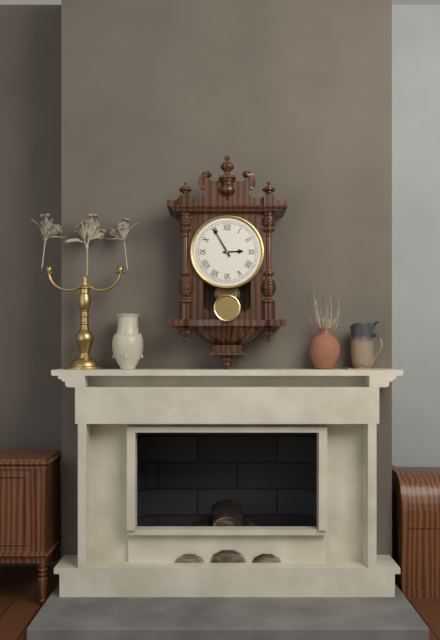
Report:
2,55
